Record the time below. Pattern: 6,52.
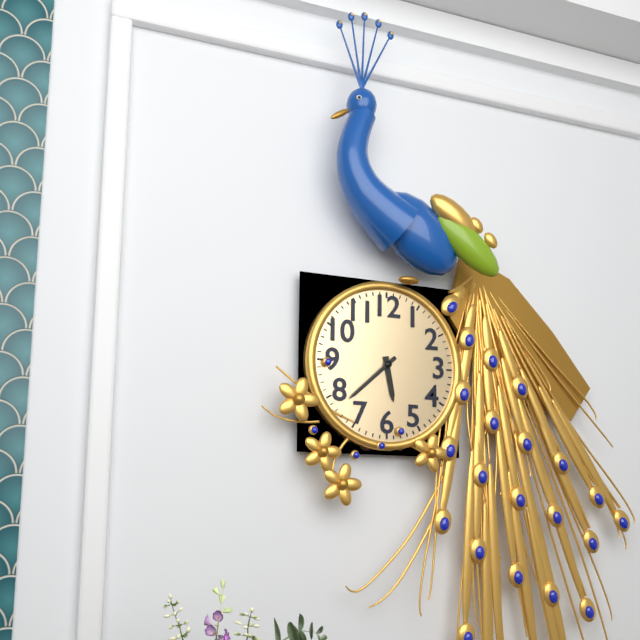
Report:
5,38
